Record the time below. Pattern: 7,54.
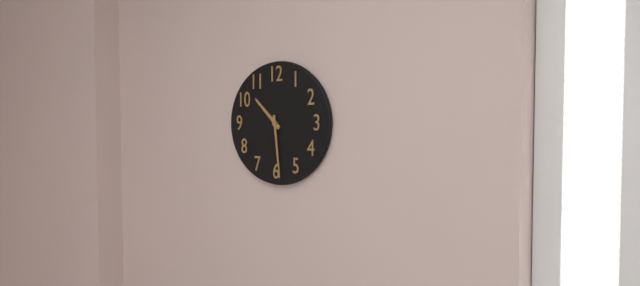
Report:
10,29
